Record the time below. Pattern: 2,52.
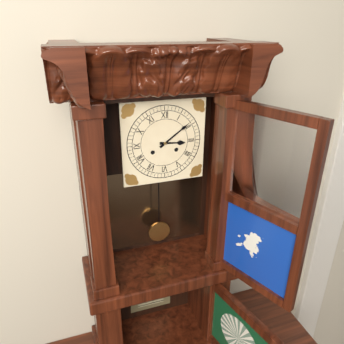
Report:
3,09
